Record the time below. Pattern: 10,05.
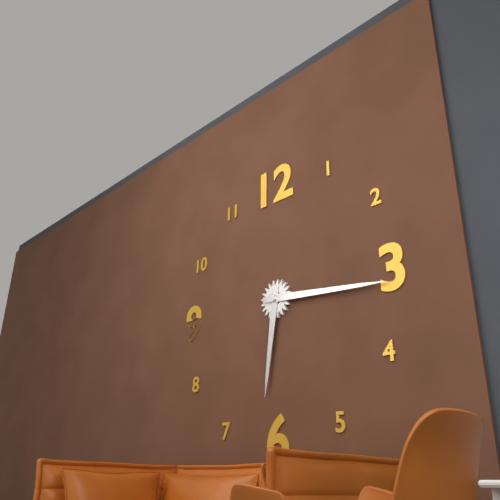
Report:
6,16
